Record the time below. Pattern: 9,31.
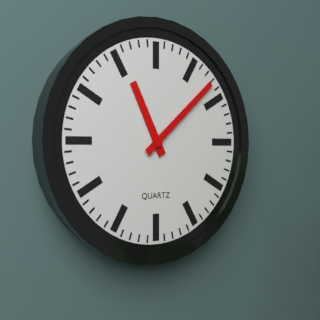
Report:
11,08
